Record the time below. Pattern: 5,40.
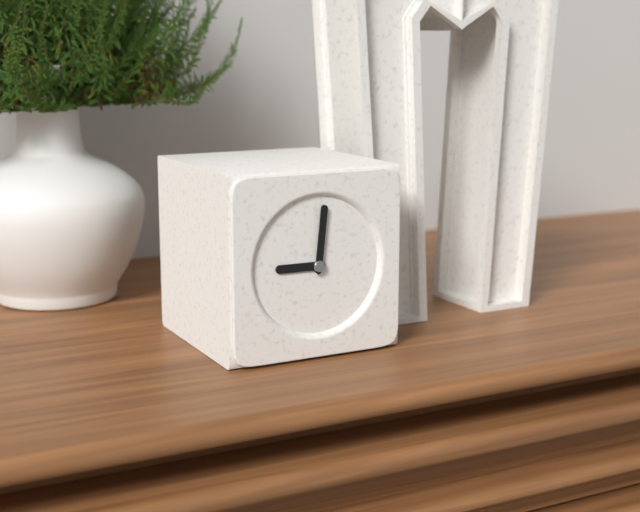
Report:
9,01
